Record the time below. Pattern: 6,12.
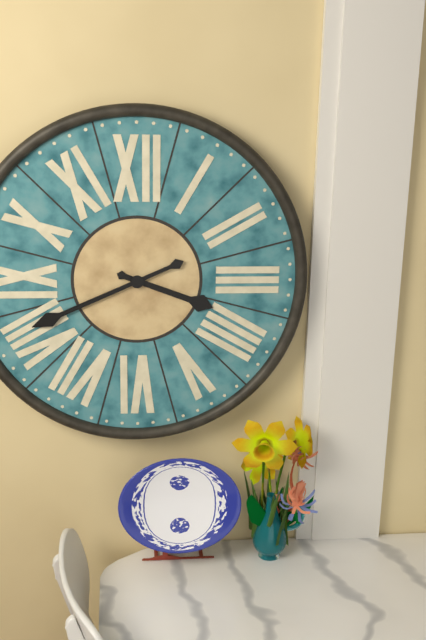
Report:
3,41
